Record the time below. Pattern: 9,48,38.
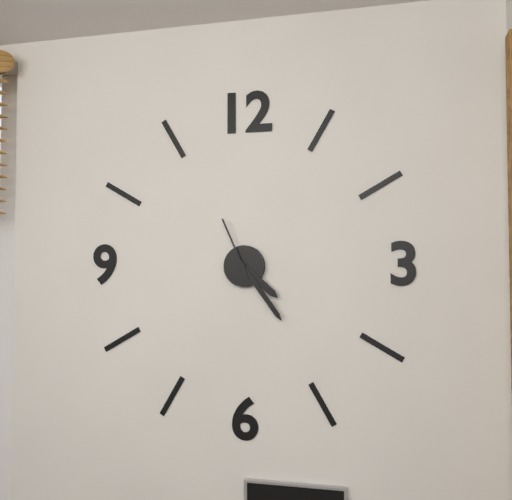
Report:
4,24,56
